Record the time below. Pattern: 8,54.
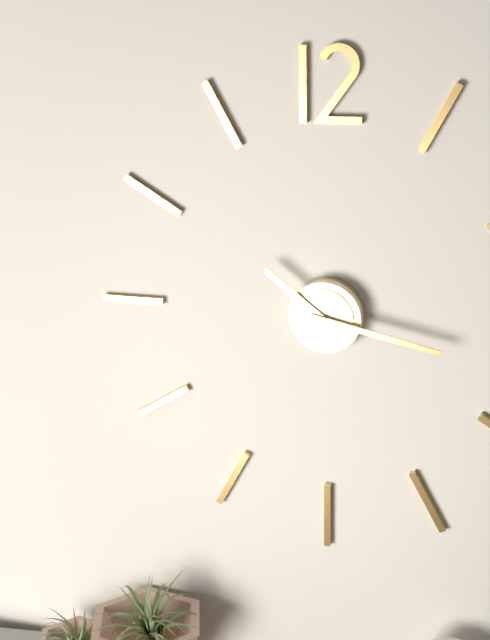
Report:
10,17
